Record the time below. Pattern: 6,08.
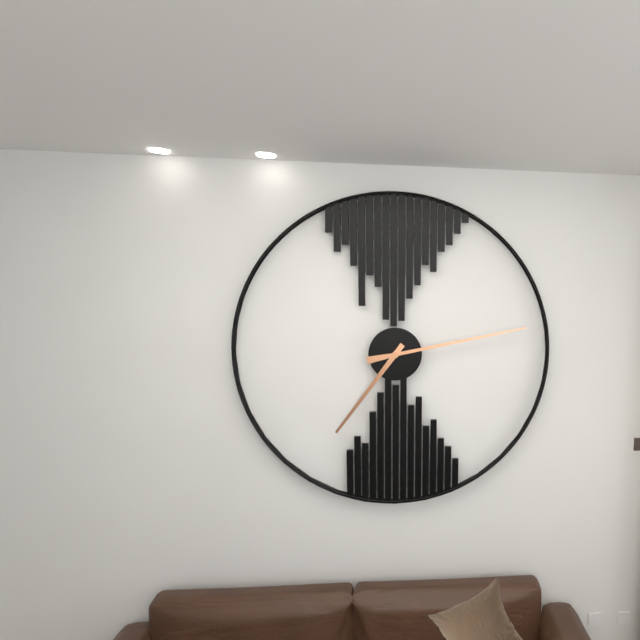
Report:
7,13
